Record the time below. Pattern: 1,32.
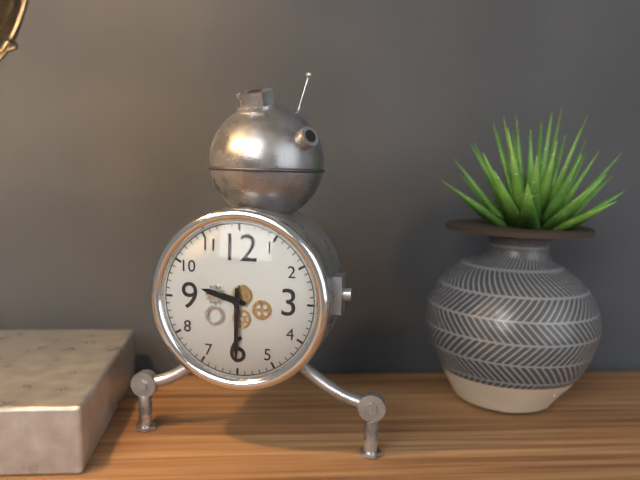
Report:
9,30
